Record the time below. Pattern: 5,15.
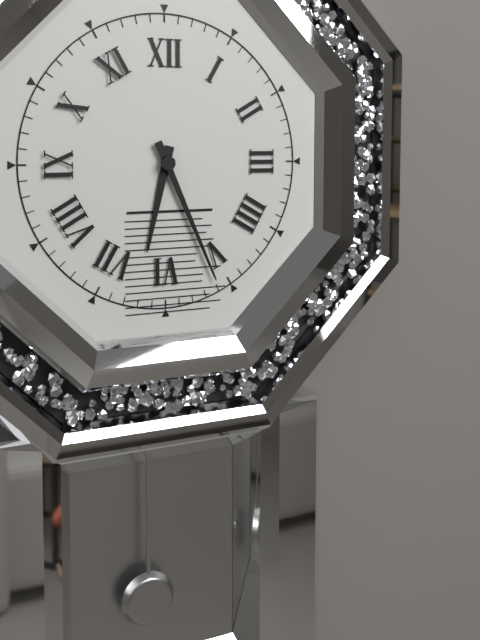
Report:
6,26
